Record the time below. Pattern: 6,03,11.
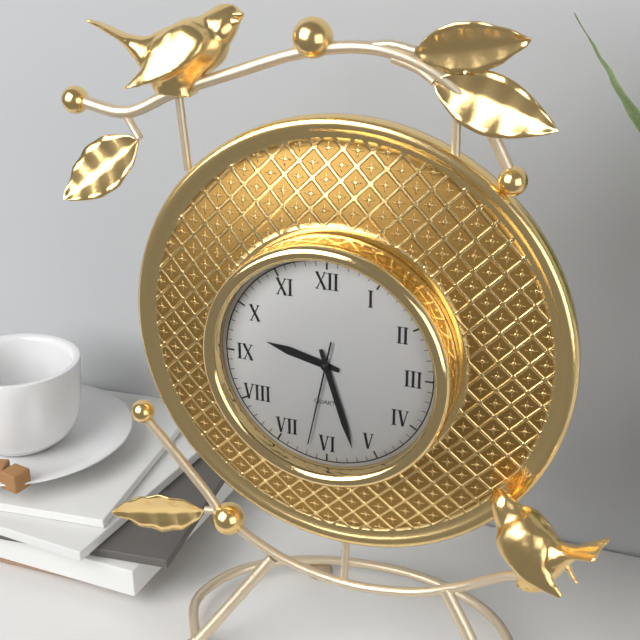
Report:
9,27,32
